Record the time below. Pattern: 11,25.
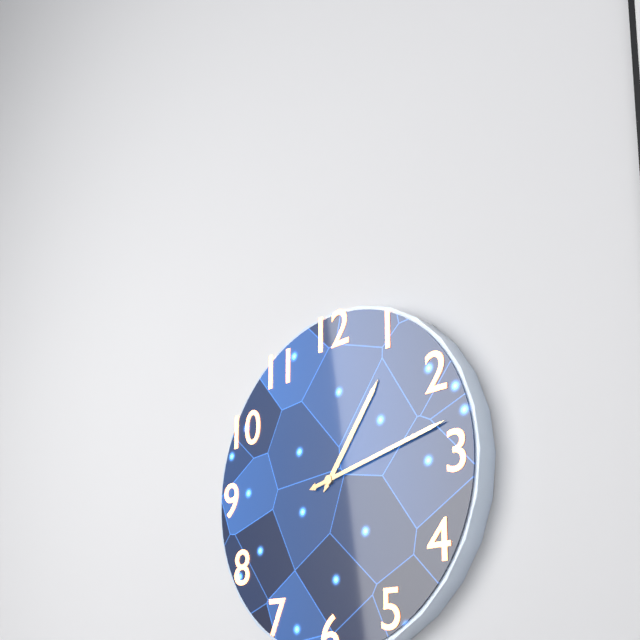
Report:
1,13
